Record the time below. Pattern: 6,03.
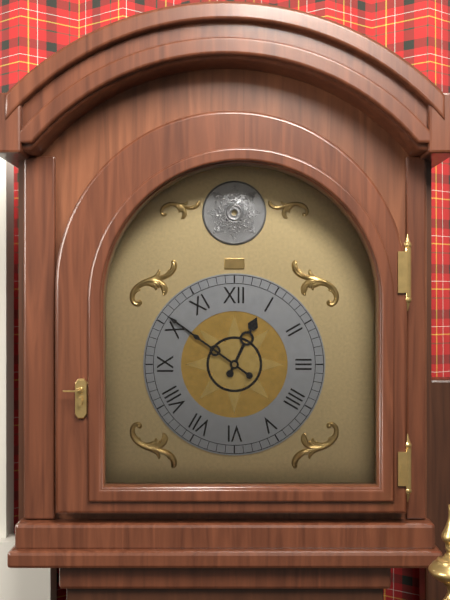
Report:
12,51
